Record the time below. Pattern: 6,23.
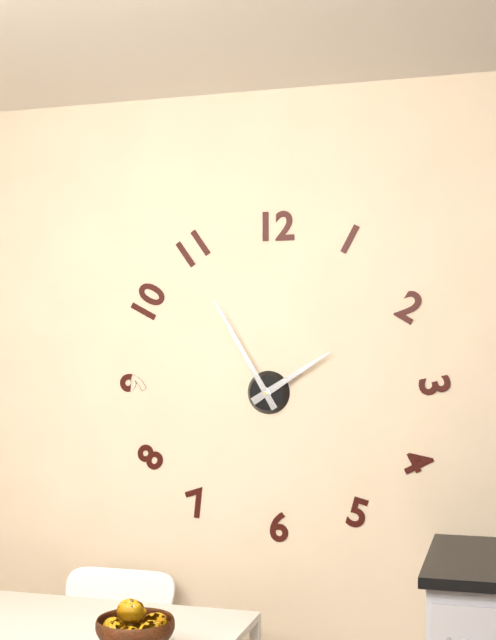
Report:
1,55
